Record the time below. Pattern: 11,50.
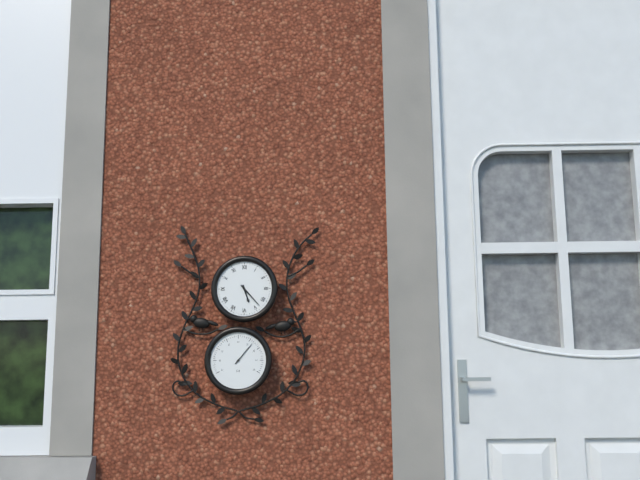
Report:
5,23
